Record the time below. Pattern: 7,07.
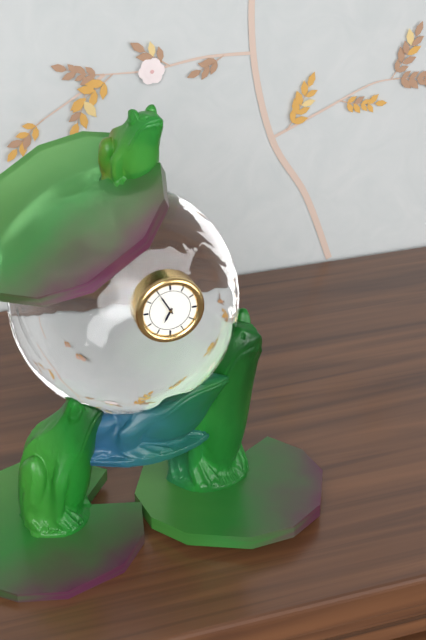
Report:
6,55
